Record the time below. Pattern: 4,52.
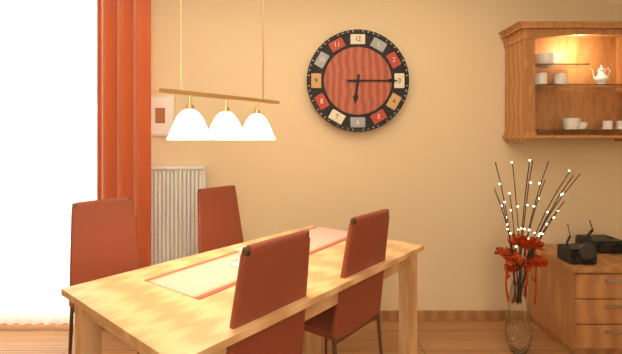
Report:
6,15
